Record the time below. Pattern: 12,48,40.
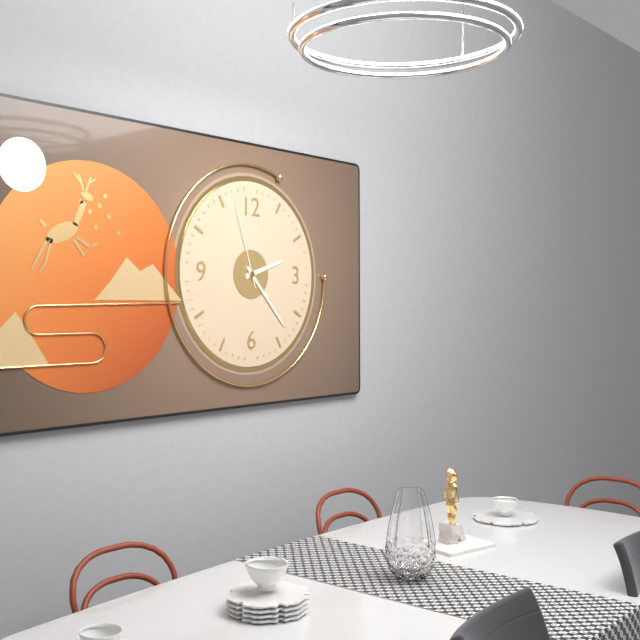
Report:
2,23,57
